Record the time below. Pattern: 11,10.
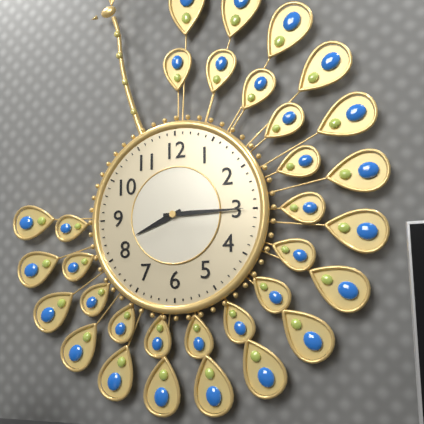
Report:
8,15
